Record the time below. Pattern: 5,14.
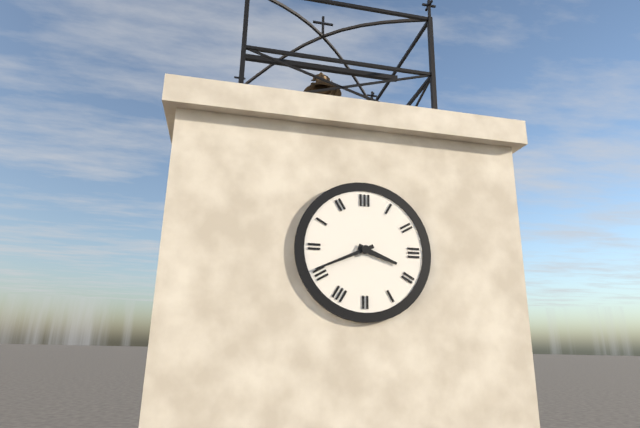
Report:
3,41
